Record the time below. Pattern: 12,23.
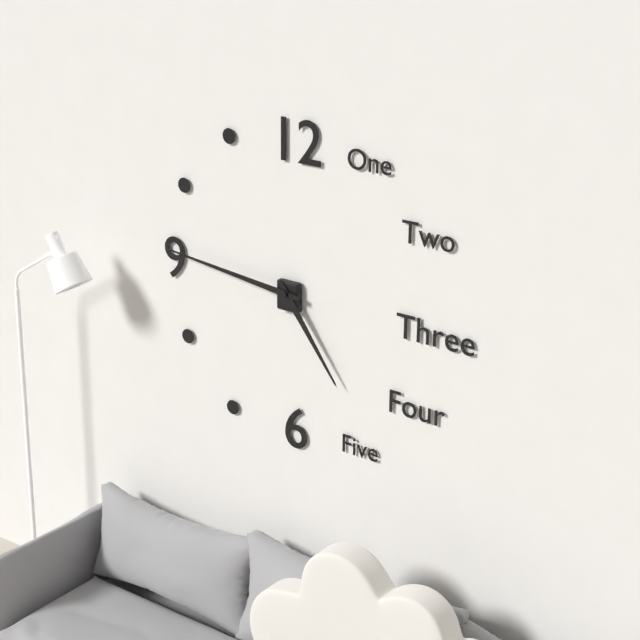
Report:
4,46
